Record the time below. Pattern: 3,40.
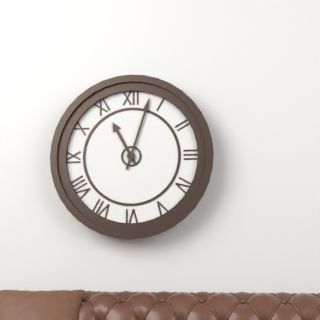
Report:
11,03
